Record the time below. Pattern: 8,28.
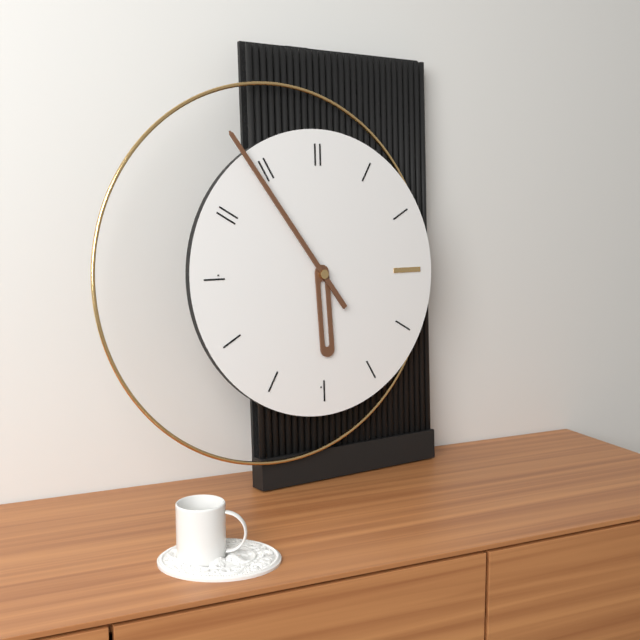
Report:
5,54
